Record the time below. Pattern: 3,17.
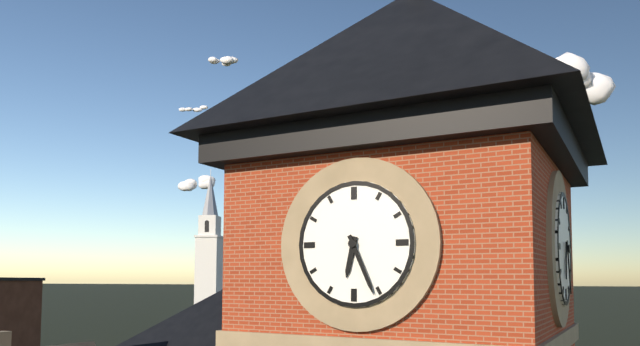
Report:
6,26
